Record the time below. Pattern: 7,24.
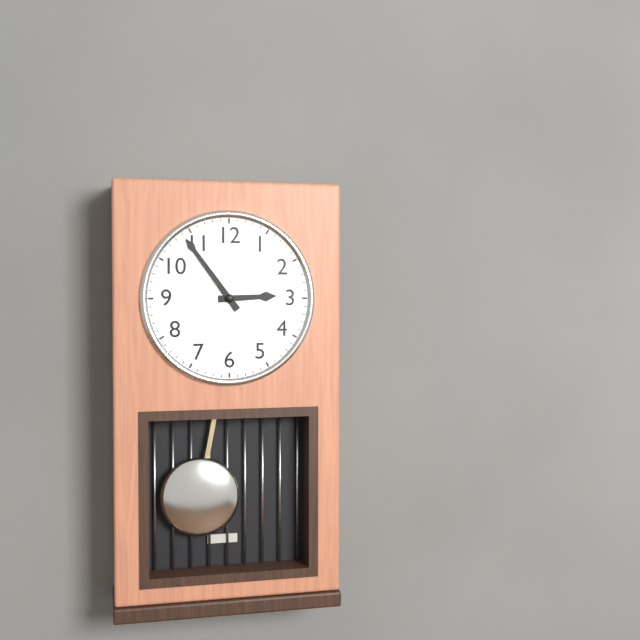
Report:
2,54
